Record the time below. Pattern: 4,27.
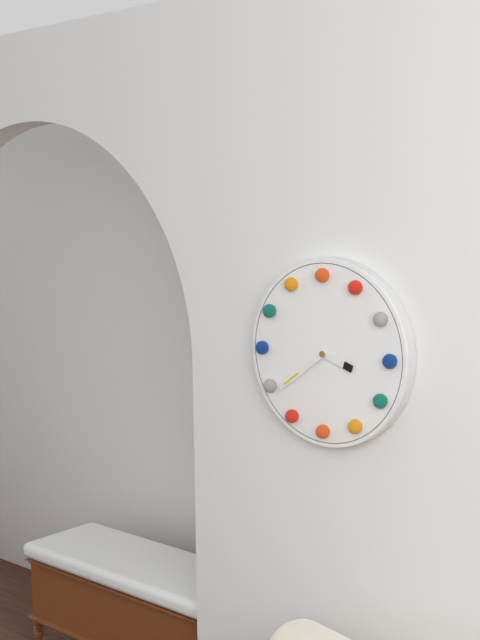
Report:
3,39
